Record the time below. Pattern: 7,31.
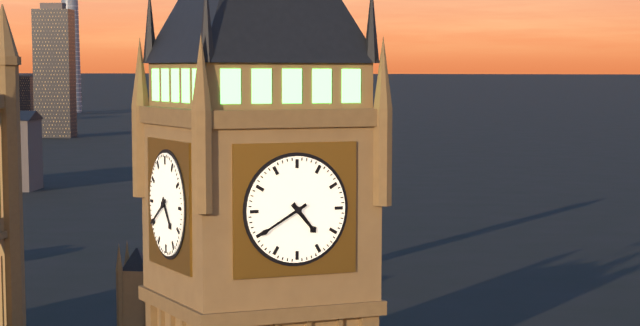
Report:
4,40
